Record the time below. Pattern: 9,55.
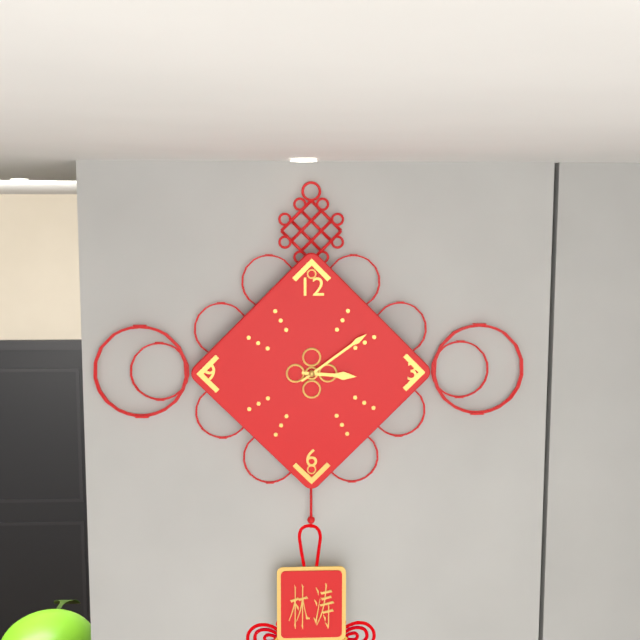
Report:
3,09
